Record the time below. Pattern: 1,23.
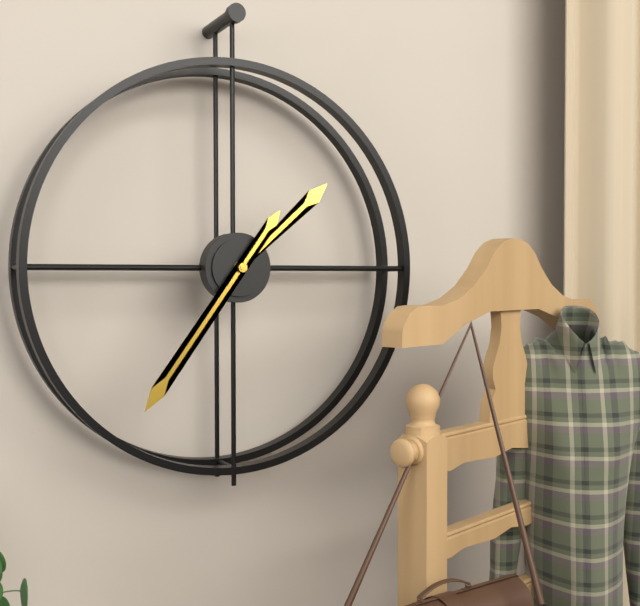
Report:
1,36
